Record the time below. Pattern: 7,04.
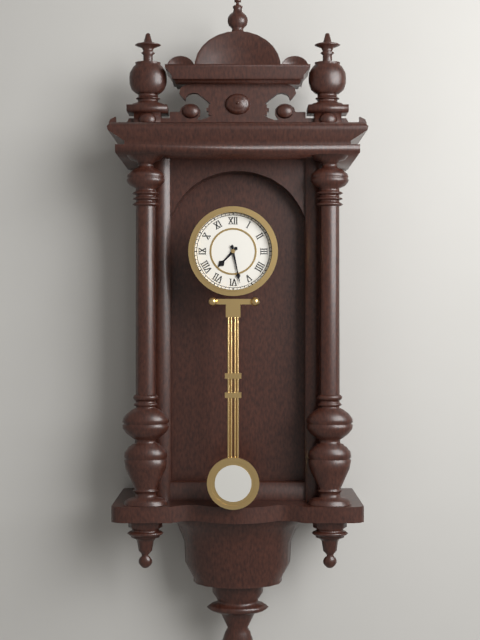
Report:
7,28
